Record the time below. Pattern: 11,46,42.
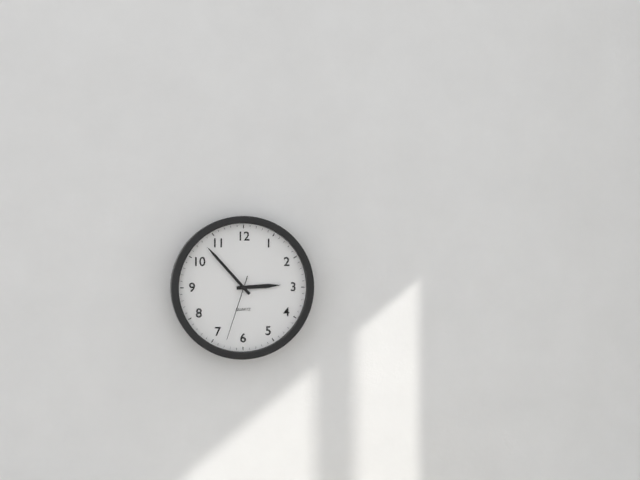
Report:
2,53,33
